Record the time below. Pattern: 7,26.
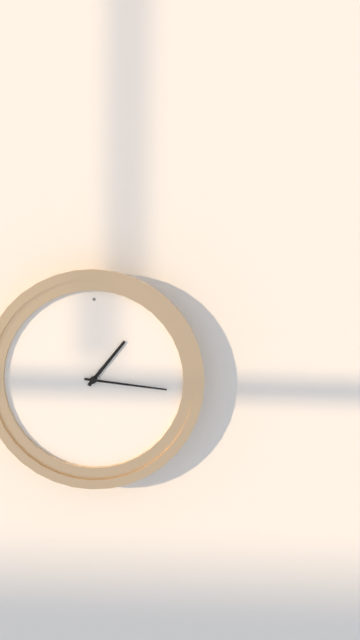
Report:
1,16
